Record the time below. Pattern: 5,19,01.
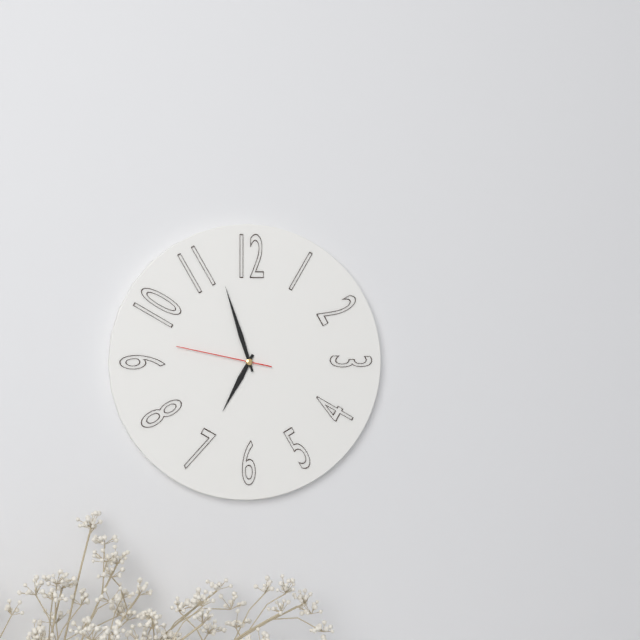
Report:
6,57,47
